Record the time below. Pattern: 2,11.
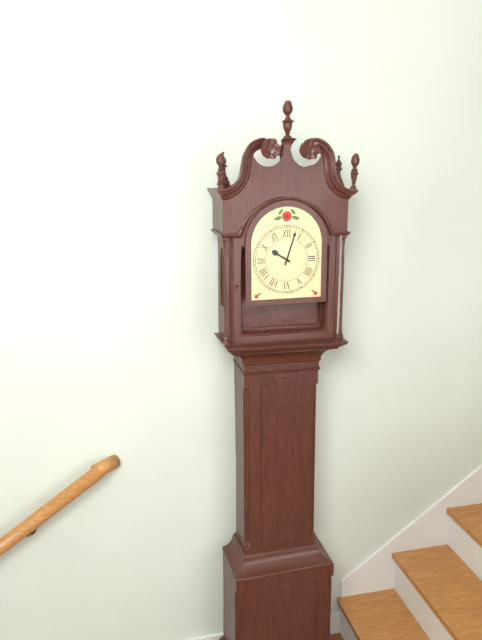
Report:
10,03
